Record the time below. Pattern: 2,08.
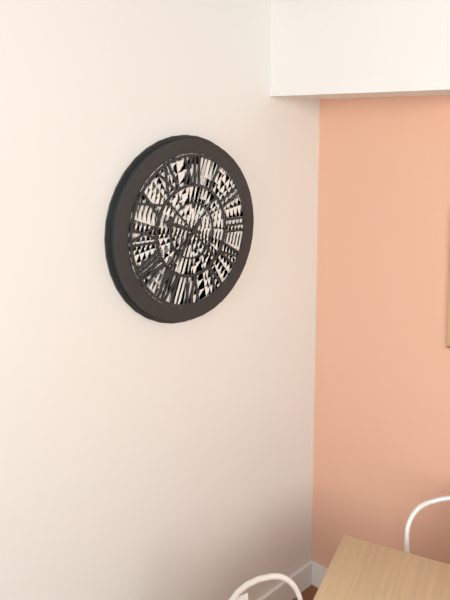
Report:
9,37
